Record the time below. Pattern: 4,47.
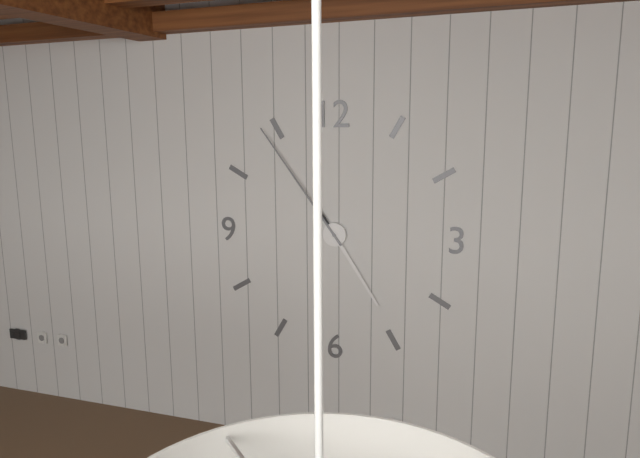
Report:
4,54
